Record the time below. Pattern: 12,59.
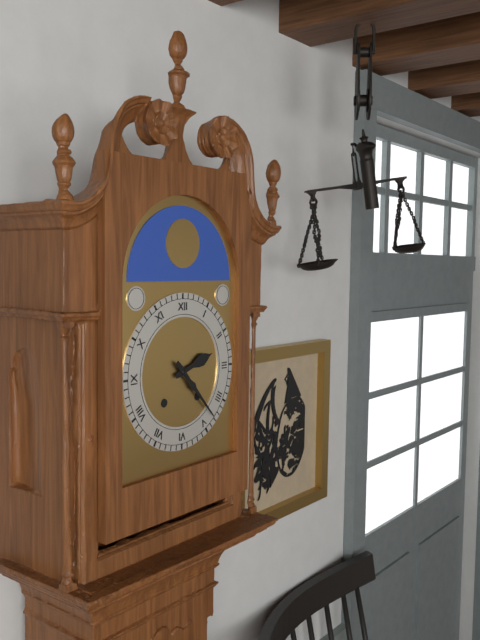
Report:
2,23
